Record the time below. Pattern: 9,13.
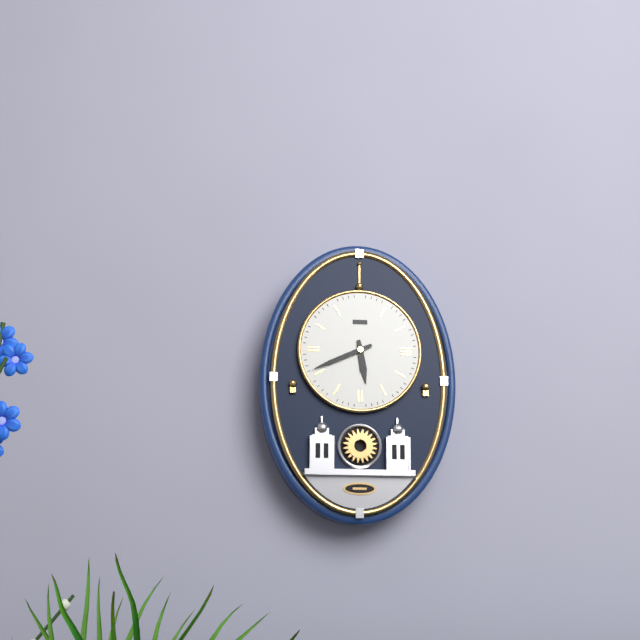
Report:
5,41
